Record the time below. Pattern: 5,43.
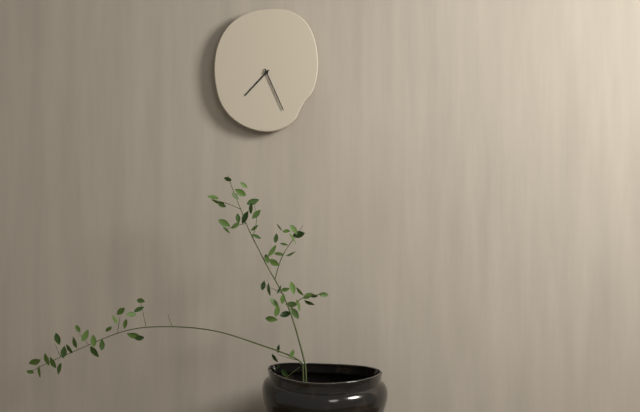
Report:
7,26
